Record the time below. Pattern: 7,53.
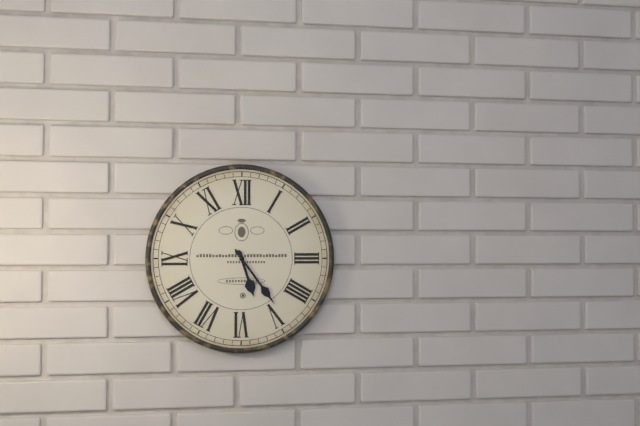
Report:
5,24
